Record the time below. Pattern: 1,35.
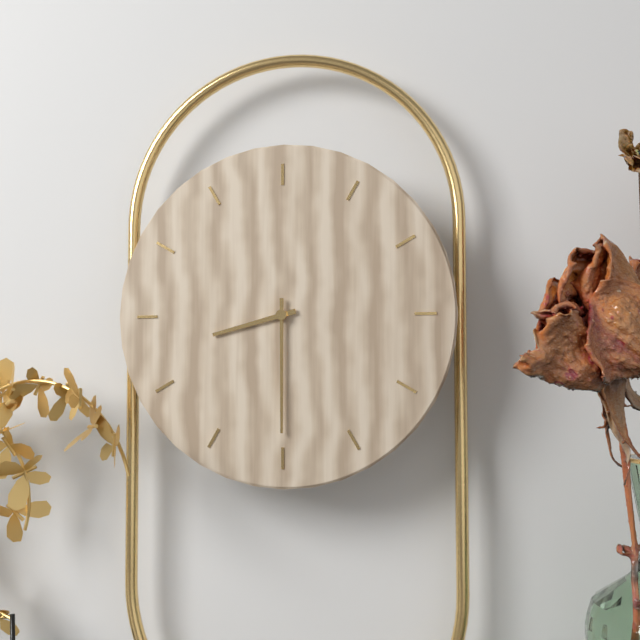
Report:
8,30
